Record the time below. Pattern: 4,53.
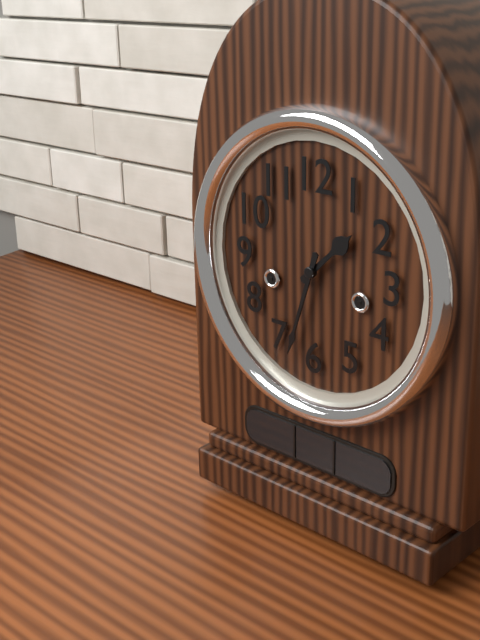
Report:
1,33
